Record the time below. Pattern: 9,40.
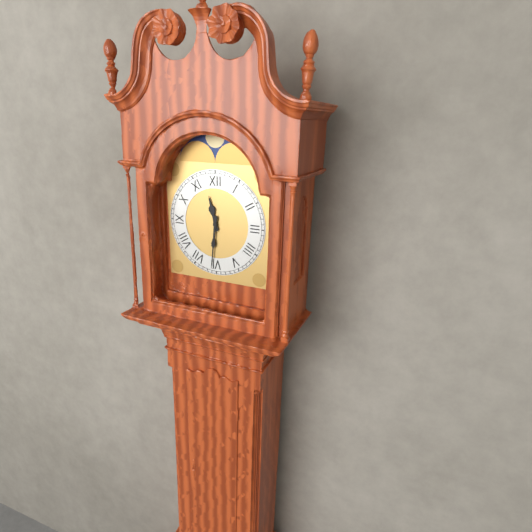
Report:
11,31
